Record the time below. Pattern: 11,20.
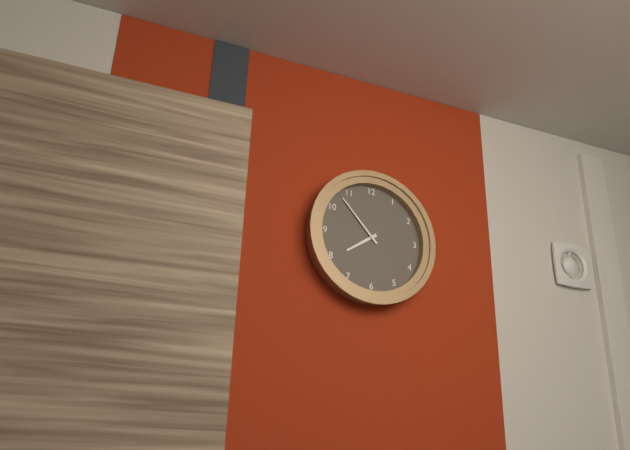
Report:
7,53
